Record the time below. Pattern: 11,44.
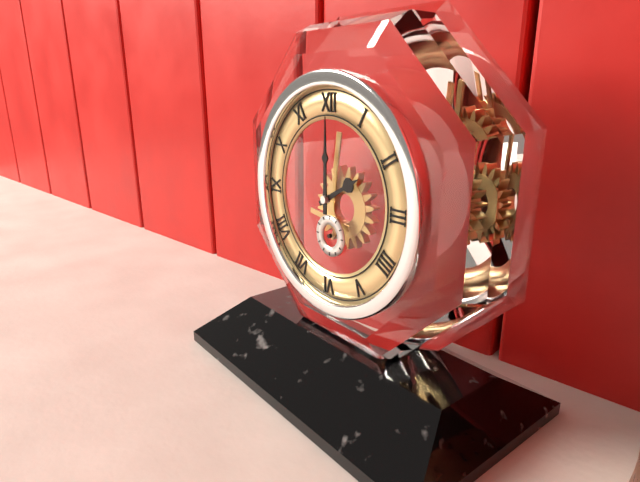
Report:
2,00
